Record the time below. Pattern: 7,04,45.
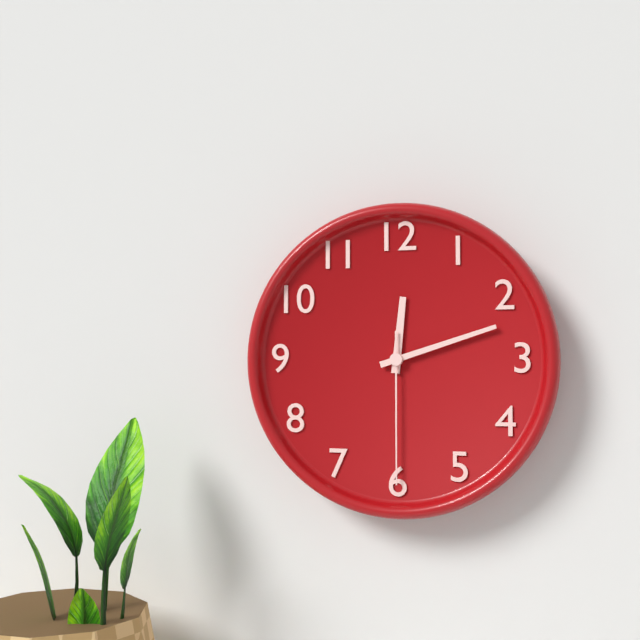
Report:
12,12,30
